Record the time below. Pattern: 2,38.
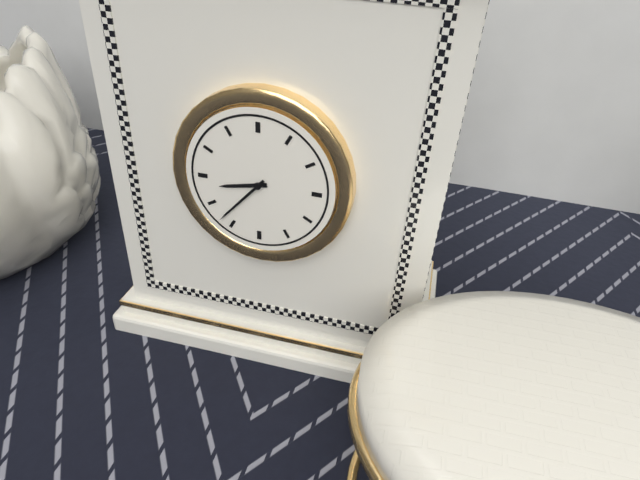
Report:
8,37
